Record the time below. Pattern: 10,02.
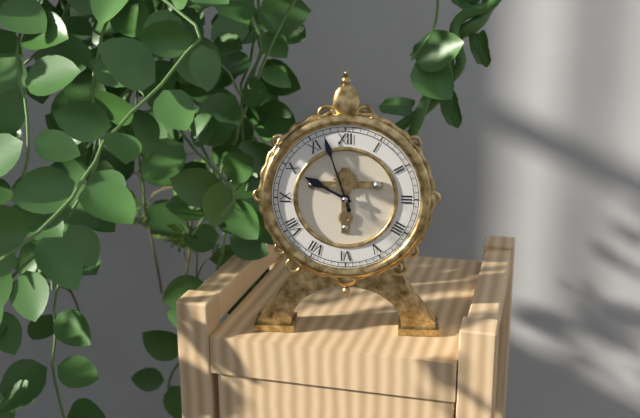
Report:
9,57
